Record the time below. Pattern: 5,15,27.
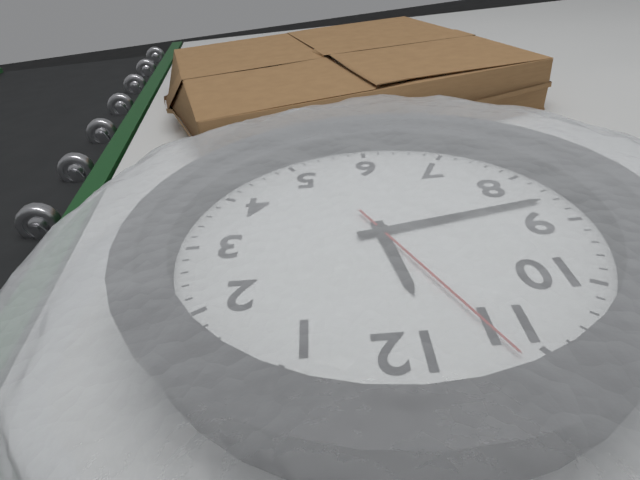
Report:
11,43,56
